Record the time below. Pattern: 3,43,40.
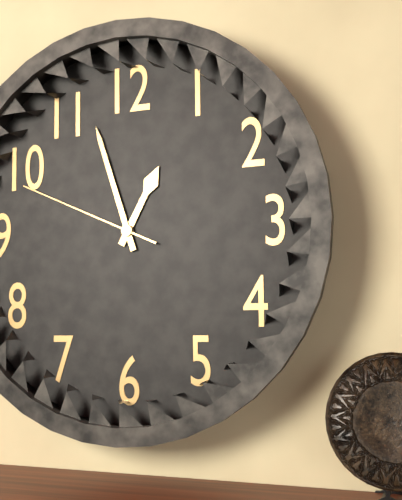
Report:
12,57,49
